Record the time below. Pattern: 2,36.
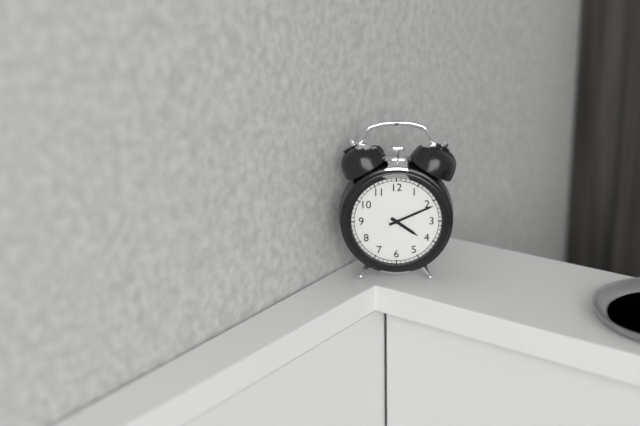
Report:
4,11
